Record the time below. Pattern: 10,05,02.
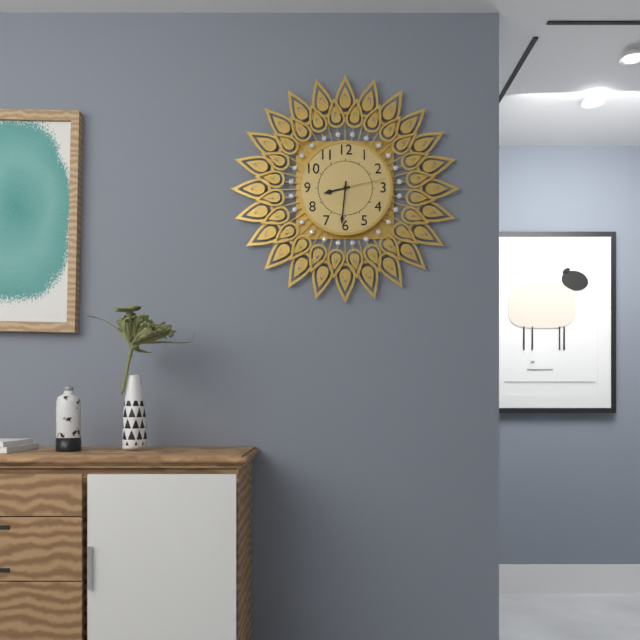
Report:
8,31,13
